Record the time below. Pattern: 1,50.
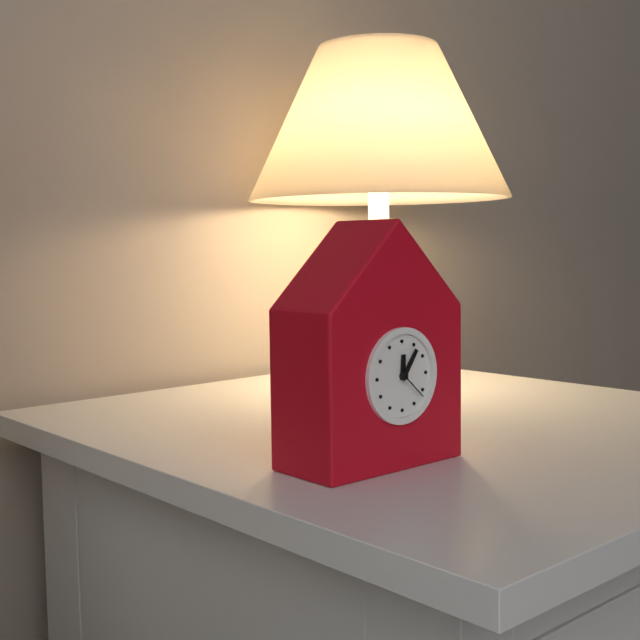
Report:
12,06
